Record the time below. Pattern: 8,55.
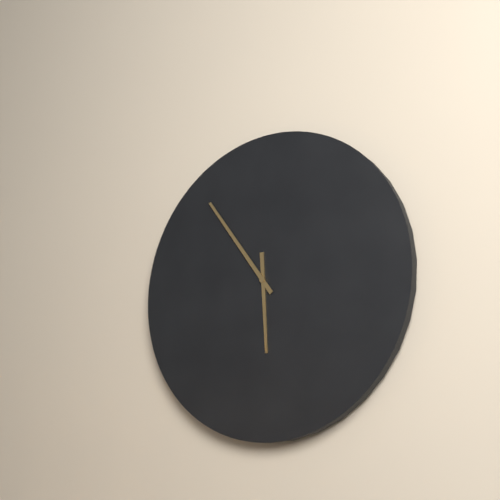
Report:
5,54
